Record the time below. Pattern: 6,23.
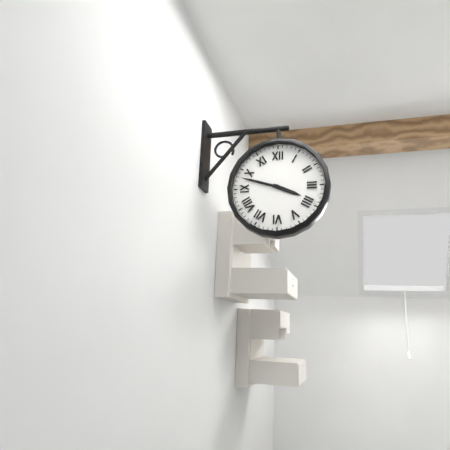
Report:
3,48
